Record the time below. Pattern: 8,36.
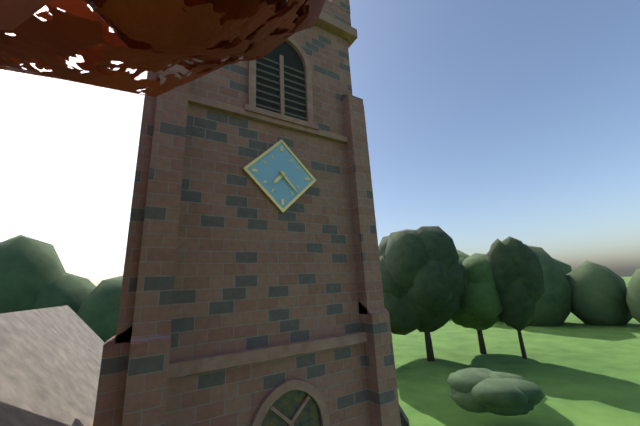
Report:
7,23
